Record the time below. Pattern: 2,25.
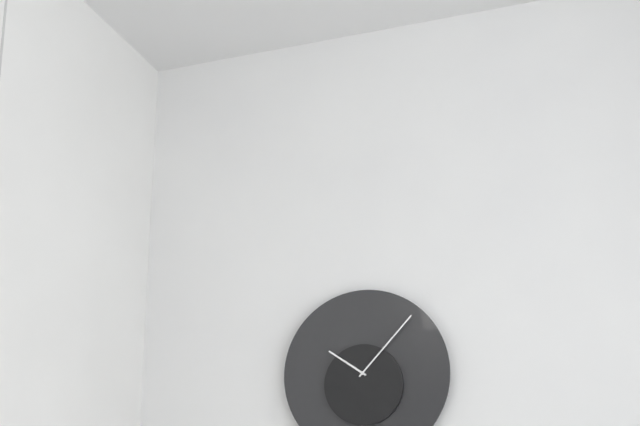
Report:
10,07
